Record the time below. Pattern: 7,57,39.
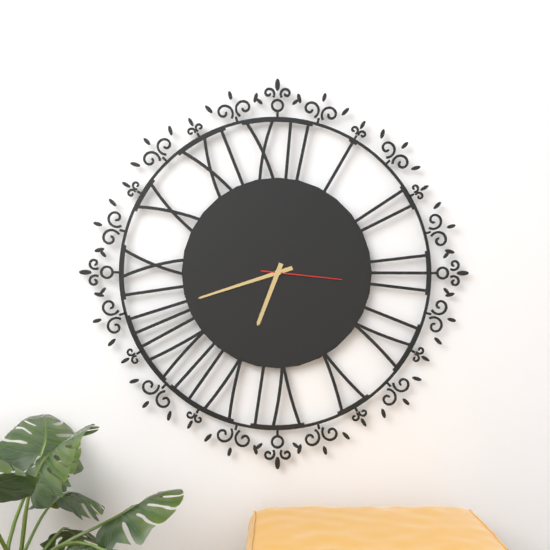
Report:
6,42,16
